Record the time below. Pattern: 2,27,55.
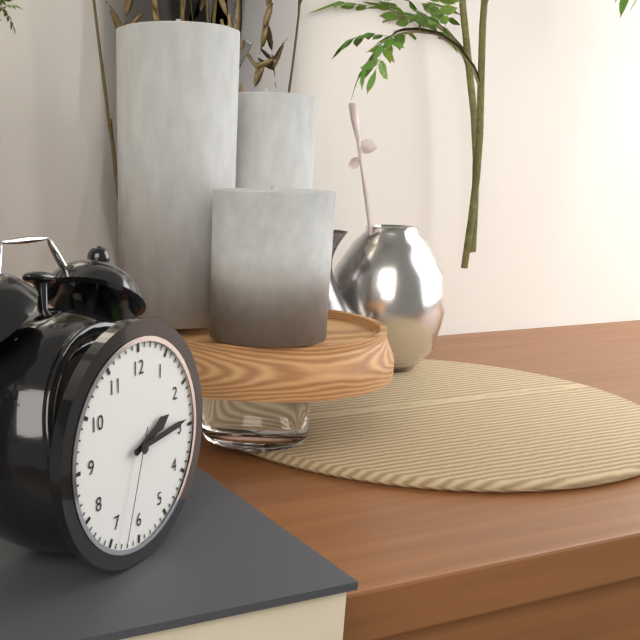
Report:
2,14,33
